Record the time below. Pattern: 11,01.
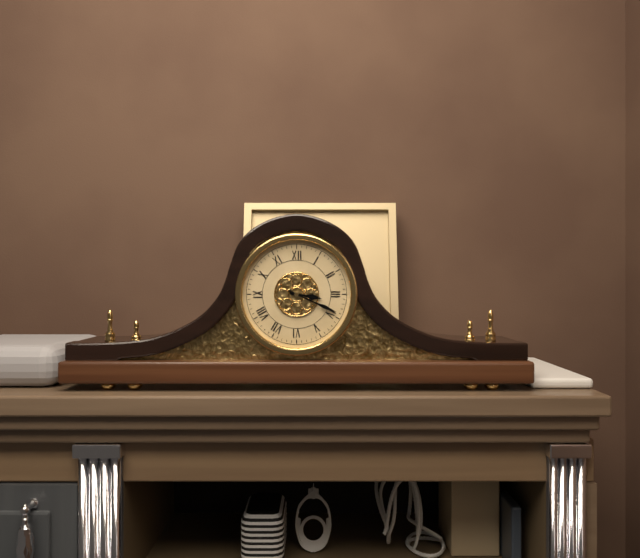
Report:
3,19
